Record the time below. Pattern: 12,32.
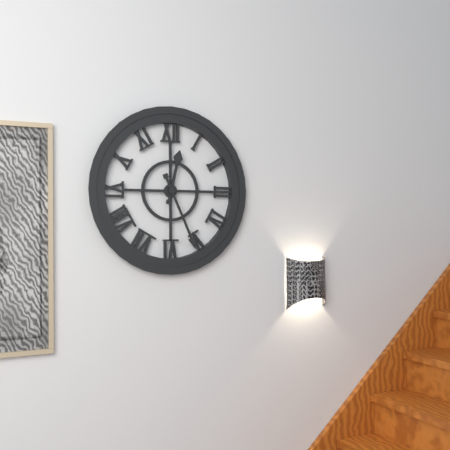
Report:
12,26
